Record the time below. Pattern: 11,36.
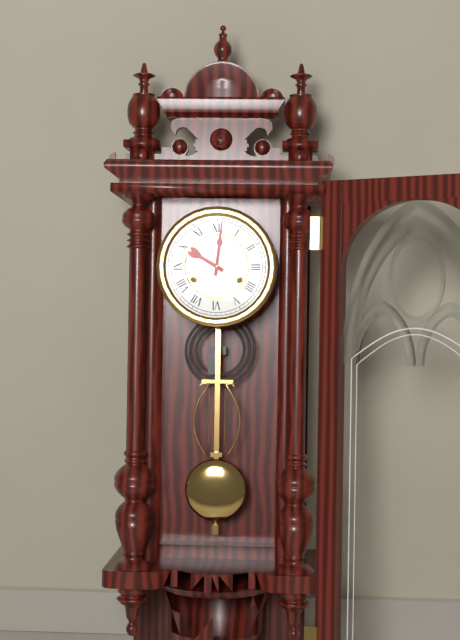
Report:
10,01
